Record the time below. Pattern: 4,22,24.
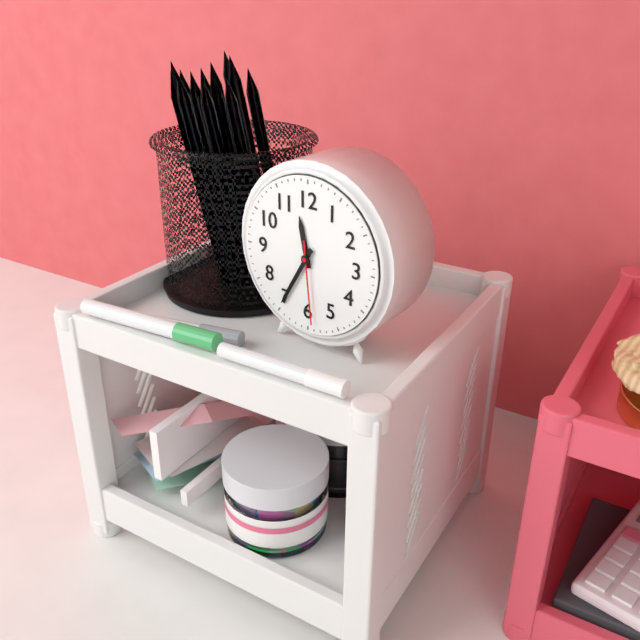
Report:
11,35,29
